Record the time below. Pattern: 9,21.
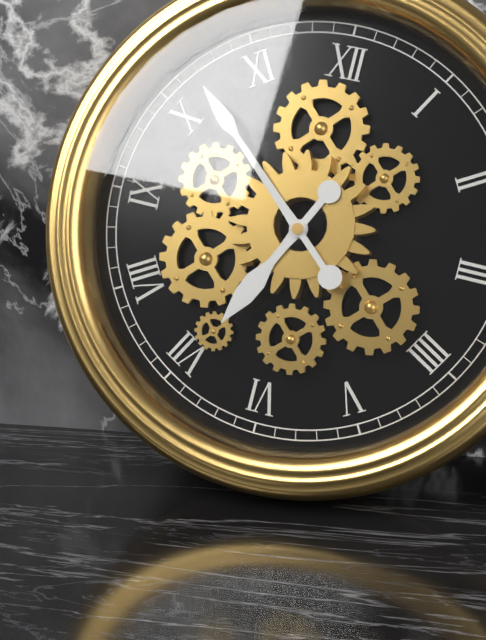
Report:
6,52
